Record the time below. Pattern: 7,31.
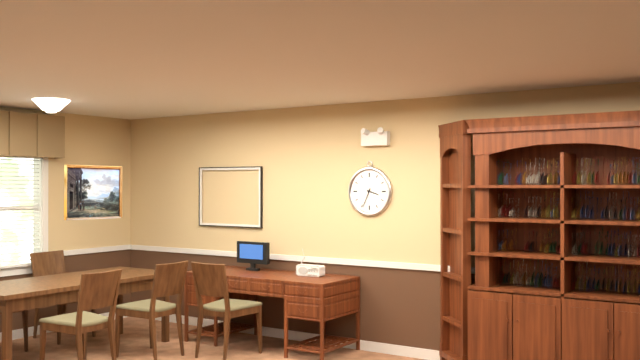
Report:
3,34
